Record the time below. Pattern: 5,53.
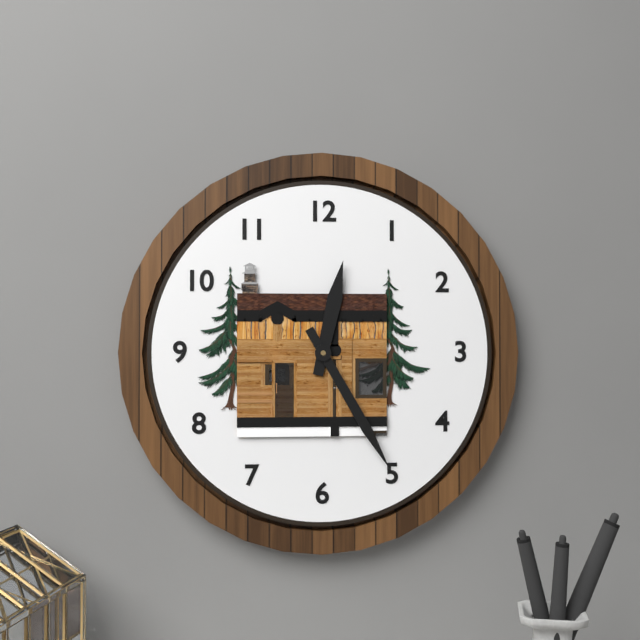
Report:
12,25
